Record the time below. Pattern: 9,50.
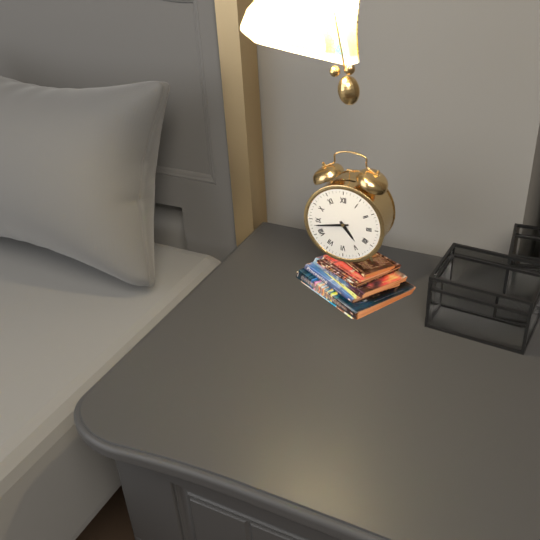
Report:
4,43
